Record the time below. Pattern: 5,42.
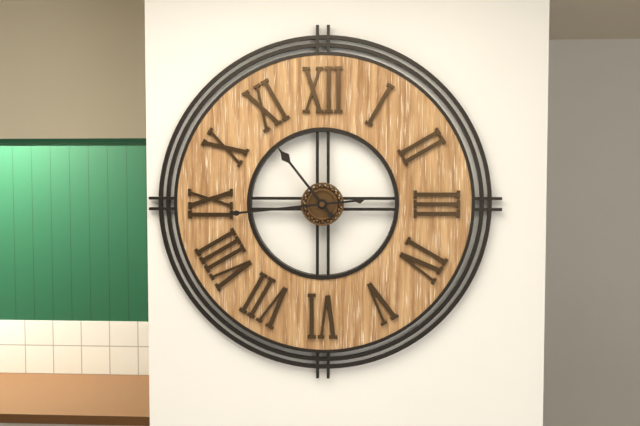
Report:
10,44
